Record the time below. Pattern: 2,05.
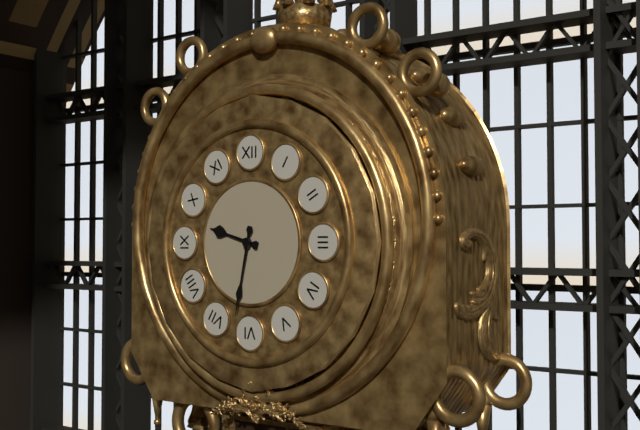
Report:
9,32
